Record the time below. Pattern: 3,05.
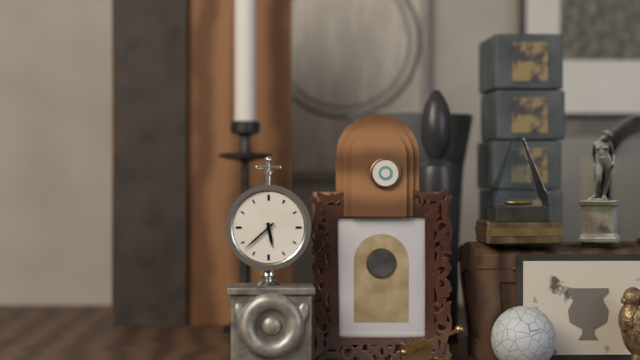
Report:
5,38
